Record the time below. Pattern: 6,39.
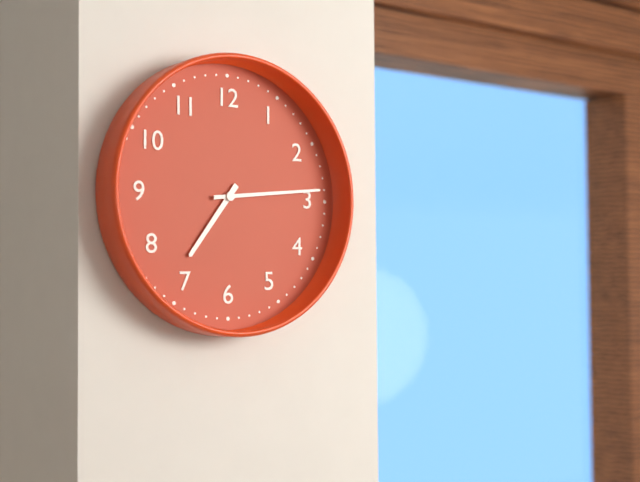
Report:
7,14
